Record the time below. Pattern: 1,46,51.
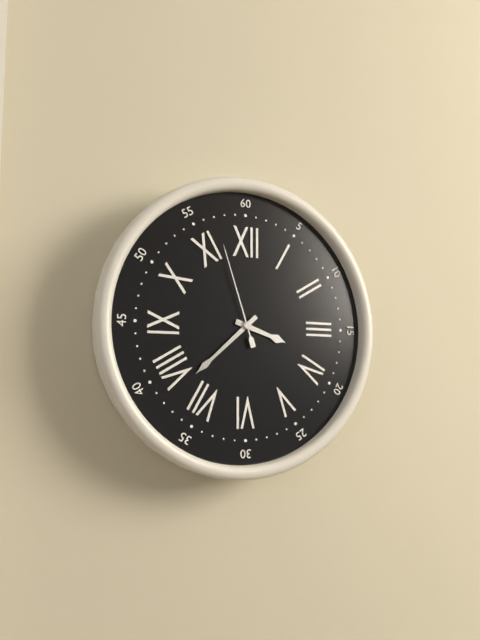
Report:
3,38,57
